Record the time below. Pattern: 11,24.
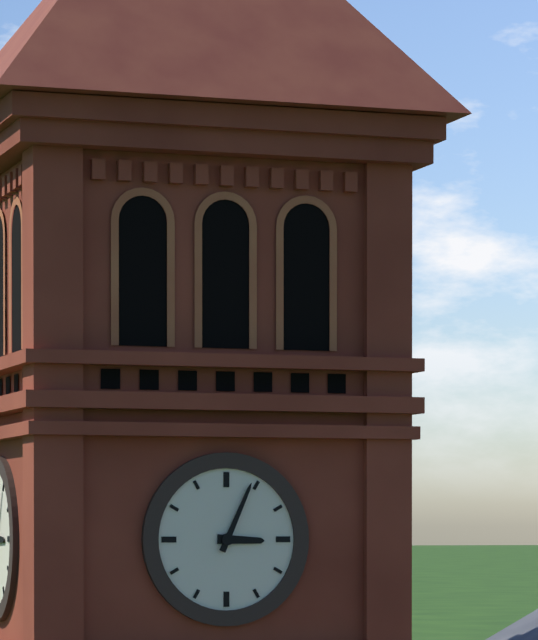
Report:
3,04
